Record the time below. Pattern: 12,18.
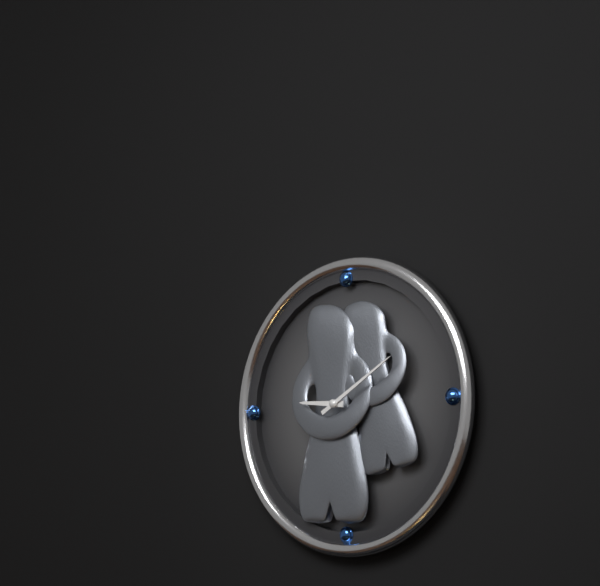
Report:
9,10
